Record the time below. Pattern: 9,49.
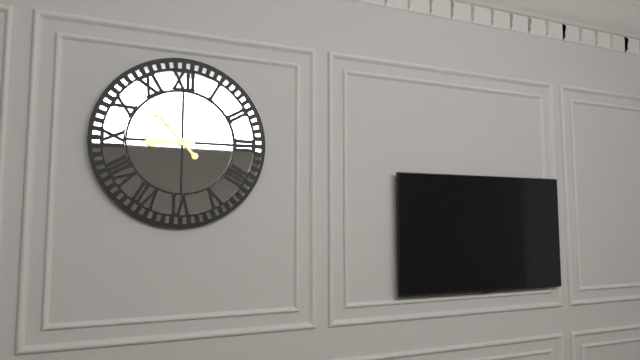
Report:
8,53
